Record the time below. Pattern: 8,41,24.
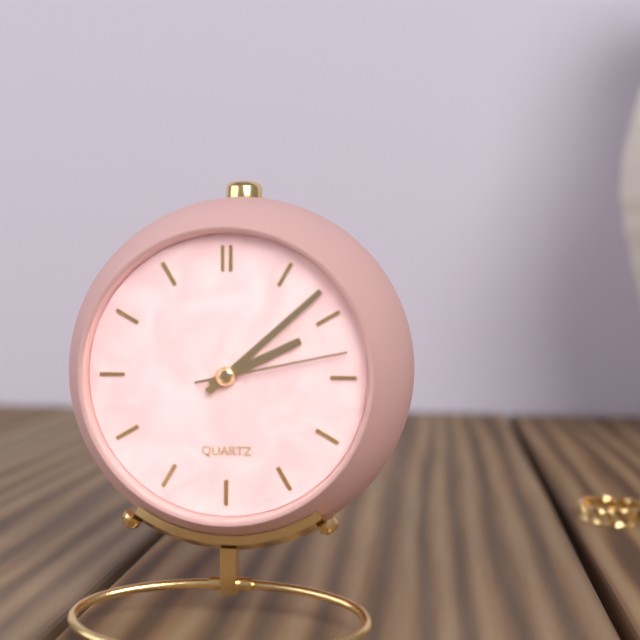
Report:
2,08,13
